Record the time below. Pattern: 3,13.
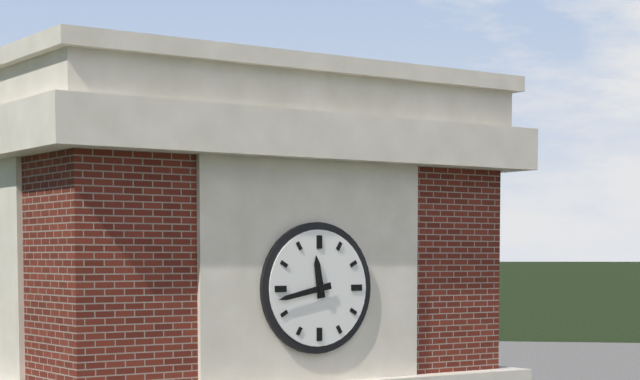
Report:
11,43
